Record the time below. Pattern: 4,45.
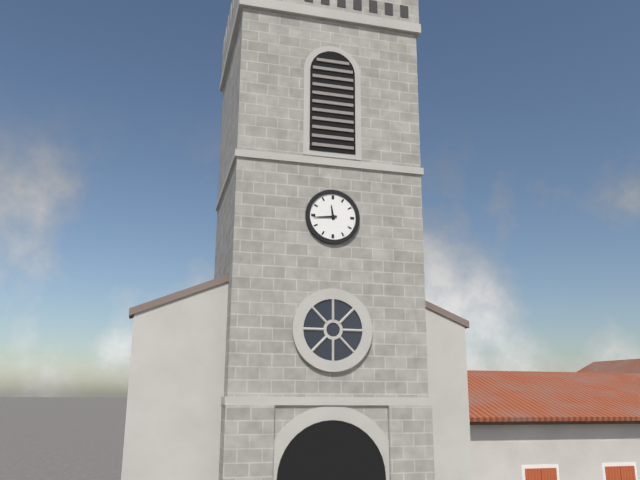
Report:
11,44
